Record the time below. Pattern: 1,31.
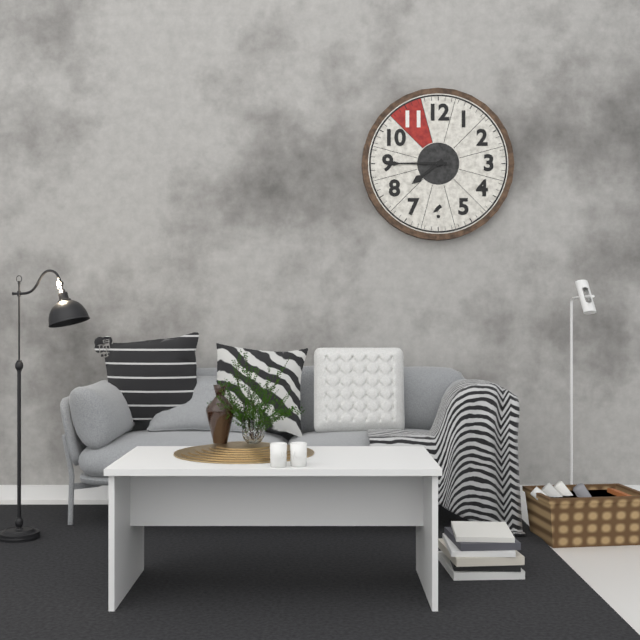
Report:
7,45
